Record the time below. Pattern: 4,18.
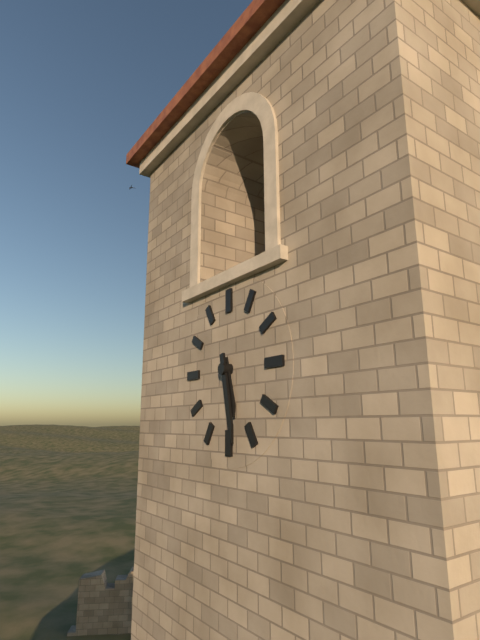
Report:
5,28
